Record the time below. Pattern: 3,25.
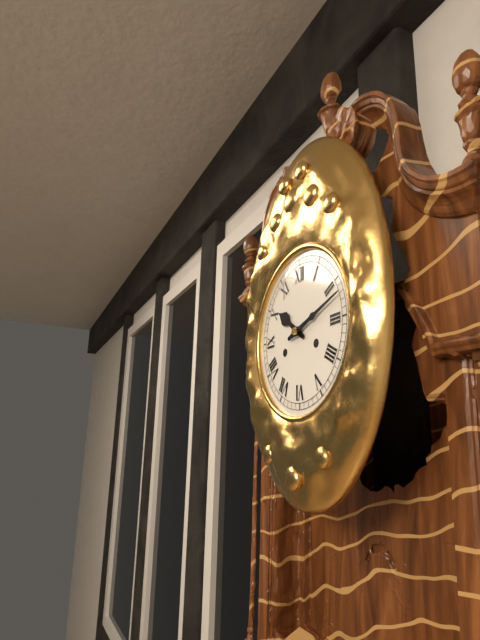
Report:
10,12
